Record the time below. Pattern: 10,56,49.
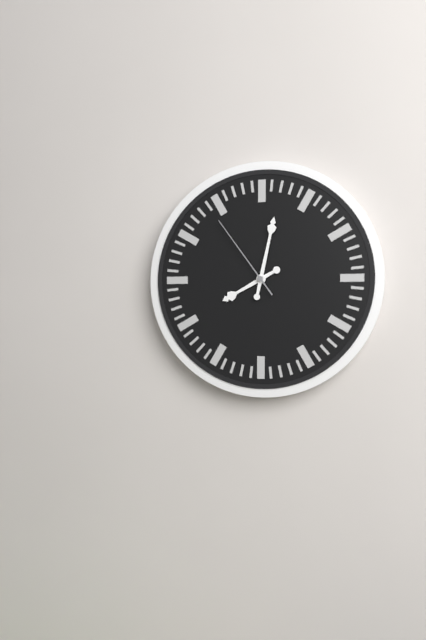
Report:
8,02,54
